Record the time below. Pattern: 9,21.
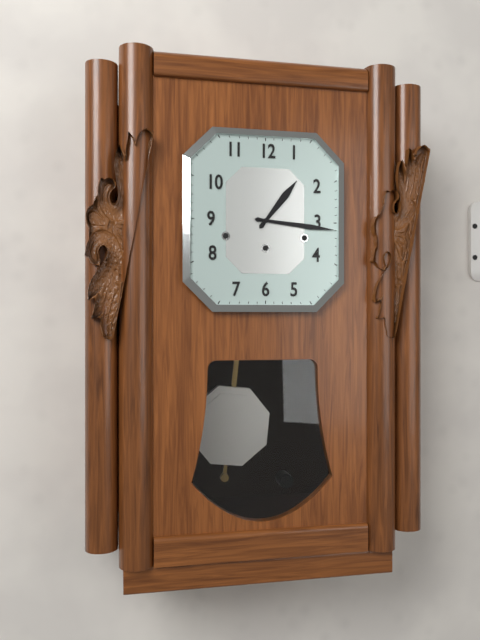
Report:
1,16
